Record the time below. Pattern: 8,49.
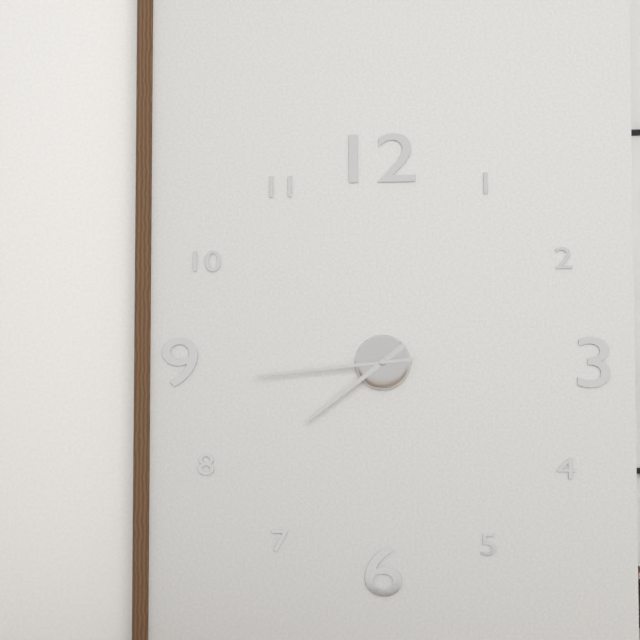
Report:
7,44
